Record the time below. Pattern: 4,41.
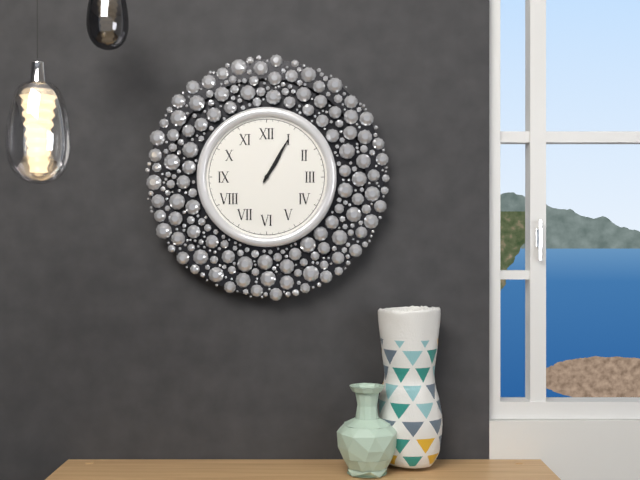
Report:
1,05
